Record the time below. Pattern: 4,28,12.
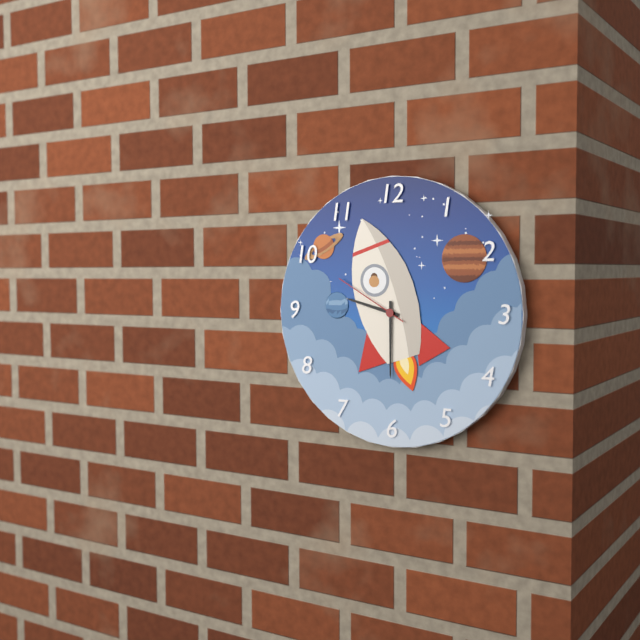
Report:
9,30,50
